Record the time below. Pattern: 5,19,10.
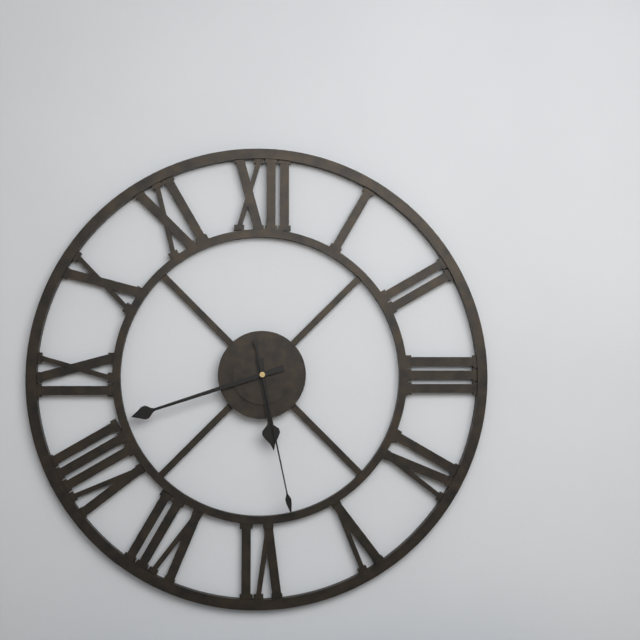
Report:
5,42,28
